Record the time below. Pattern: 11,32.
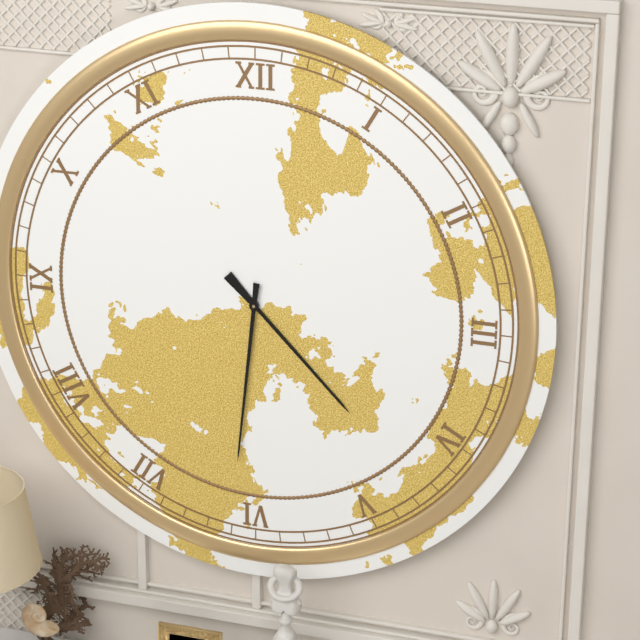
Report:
4,31
